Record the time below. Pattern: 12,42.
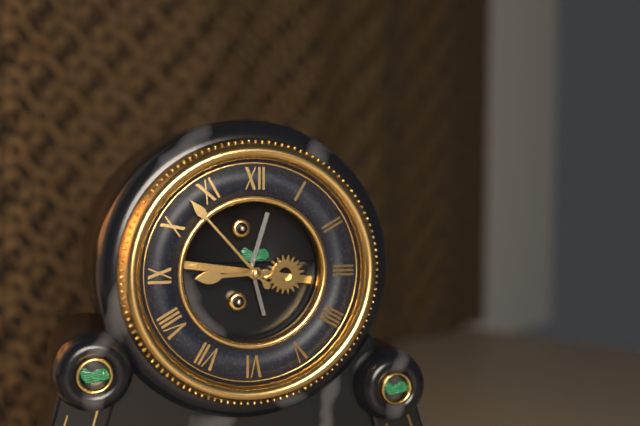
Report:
8,53
